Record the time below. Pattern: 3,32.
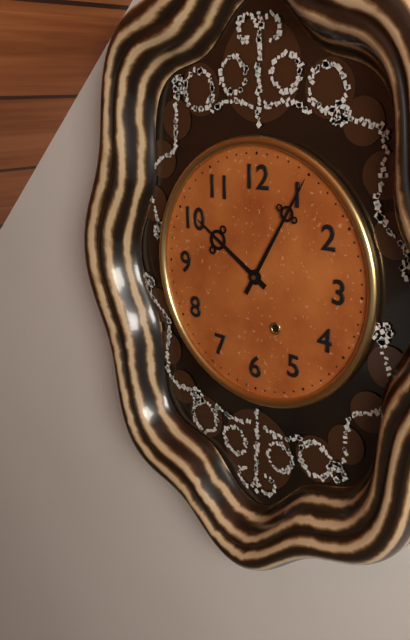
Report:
10,05
